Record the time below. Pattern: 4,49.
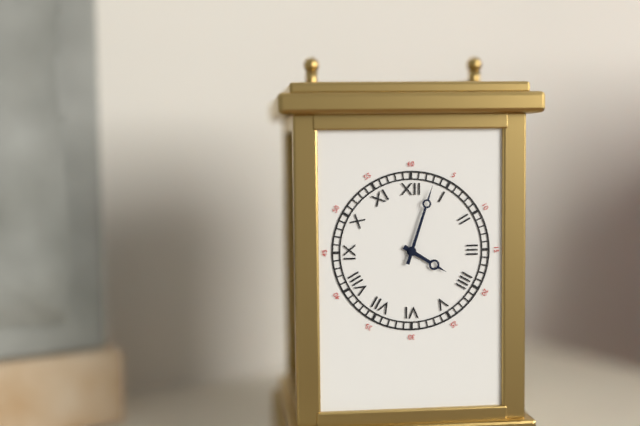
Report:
4,03
